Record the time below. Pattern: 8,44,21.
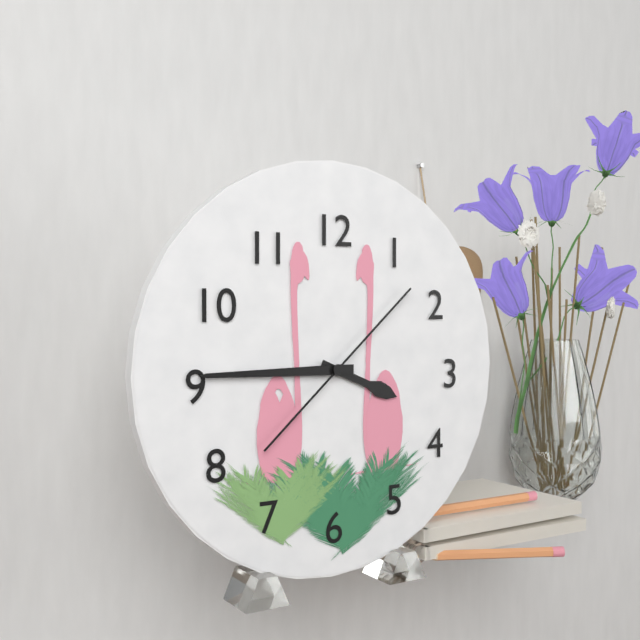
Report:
3,45,08
